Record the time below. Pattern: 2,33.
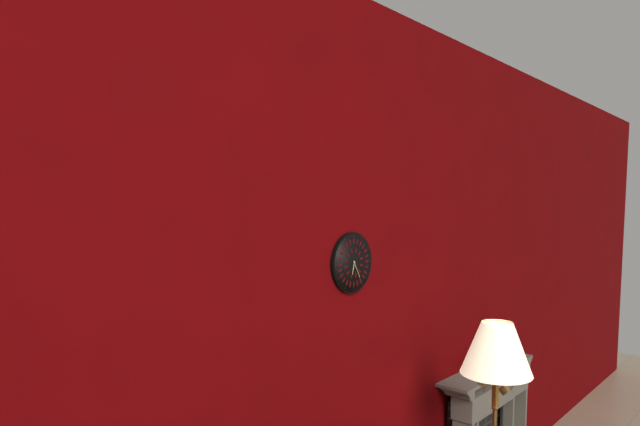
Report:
6,25
